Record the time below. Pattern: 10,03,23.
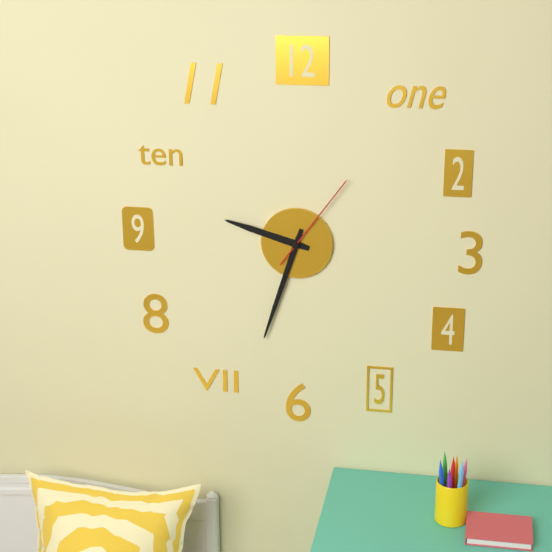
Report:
9,33,06
